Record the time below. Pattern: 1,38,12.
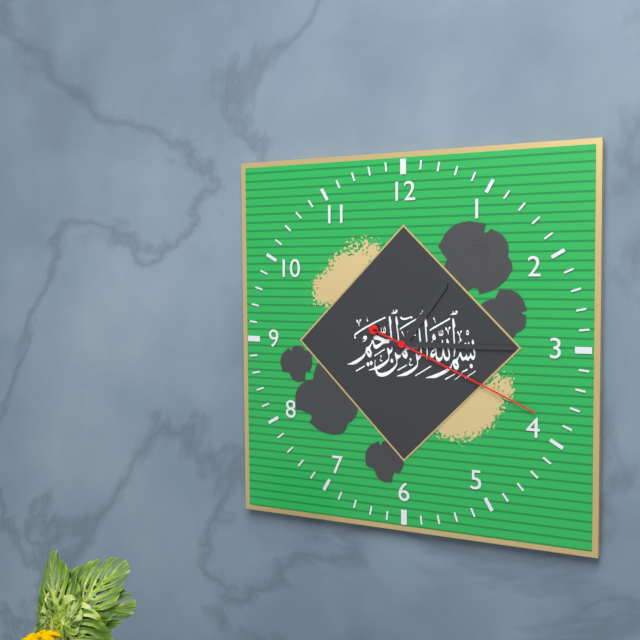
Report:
1,15,19
